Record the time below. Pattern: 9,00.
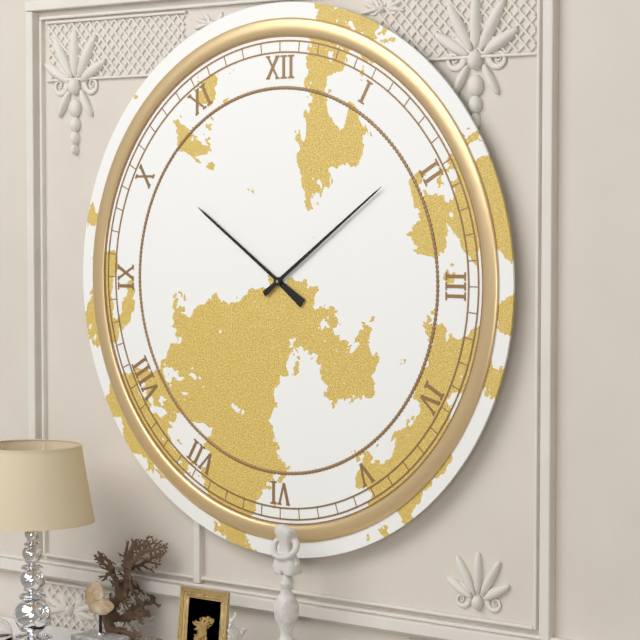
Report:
10,09
